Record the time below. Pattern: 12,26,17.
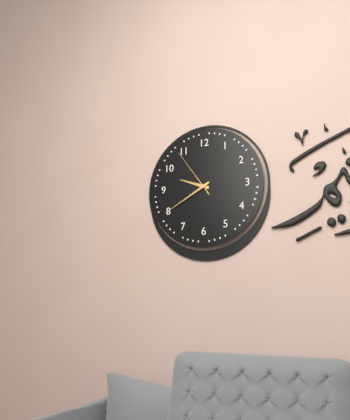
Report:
9,40,54
